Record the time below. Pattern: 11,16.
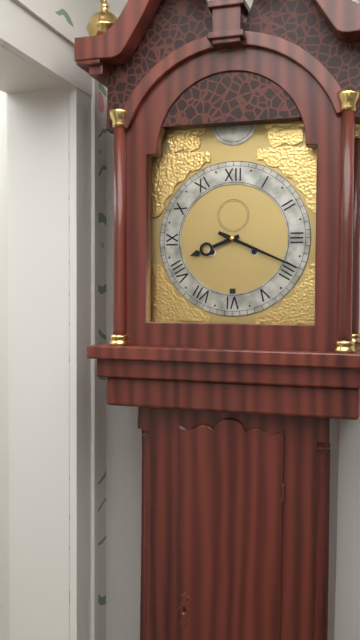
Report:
8,19
